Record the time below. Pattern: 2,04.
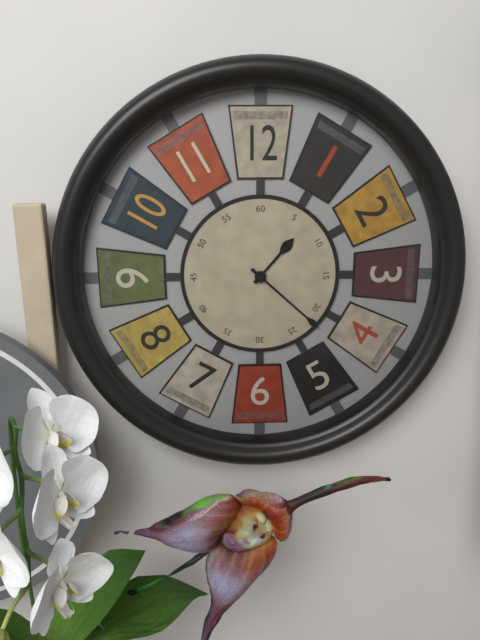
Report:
1,22
